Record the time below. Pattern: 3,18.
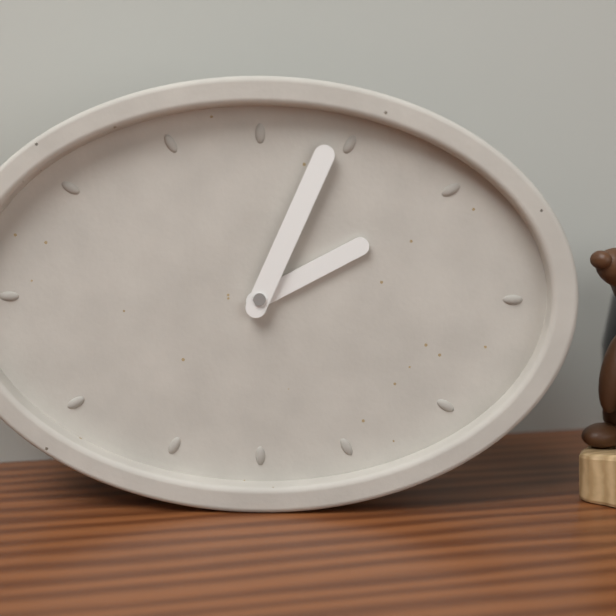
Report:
2,04
